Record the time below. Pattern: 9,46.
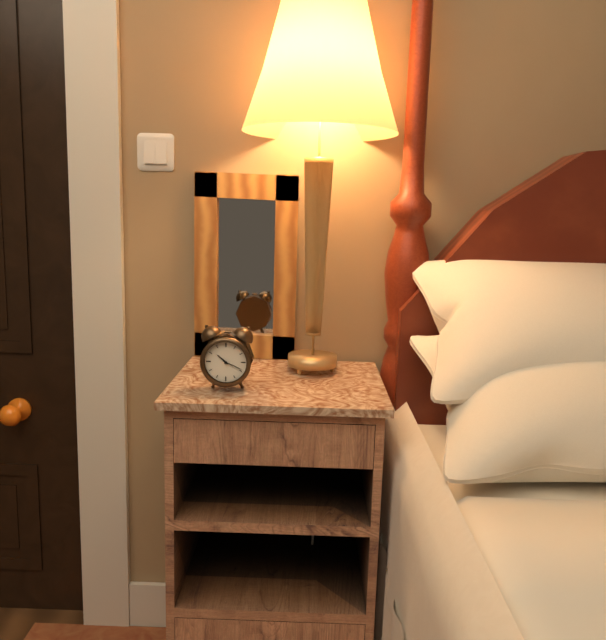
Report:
10,19
